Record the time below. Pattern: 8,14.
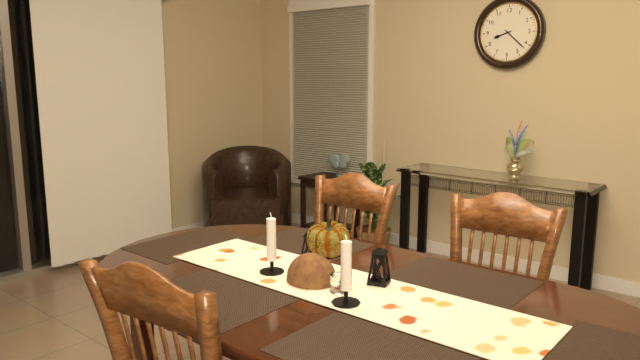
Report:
8,22
